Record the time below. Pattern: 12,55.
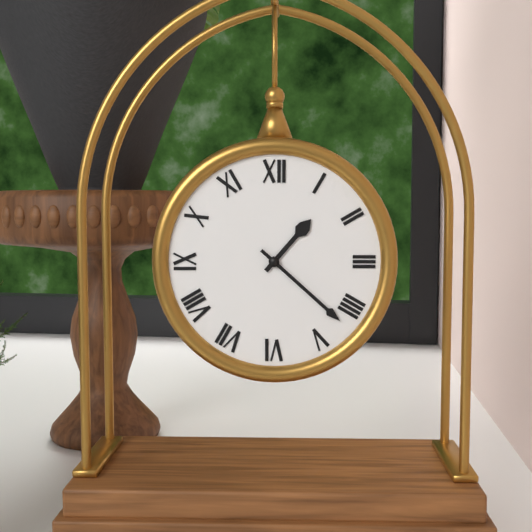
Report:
1,22
